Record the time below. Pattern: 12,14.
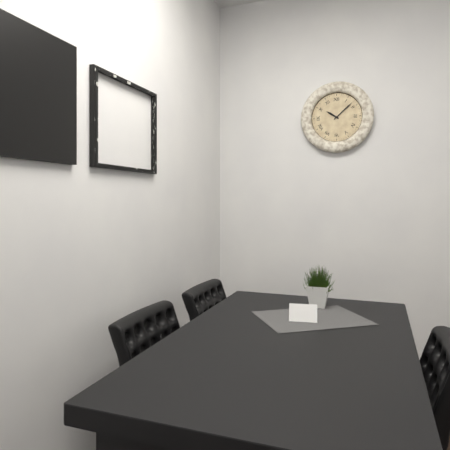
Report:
10,08
